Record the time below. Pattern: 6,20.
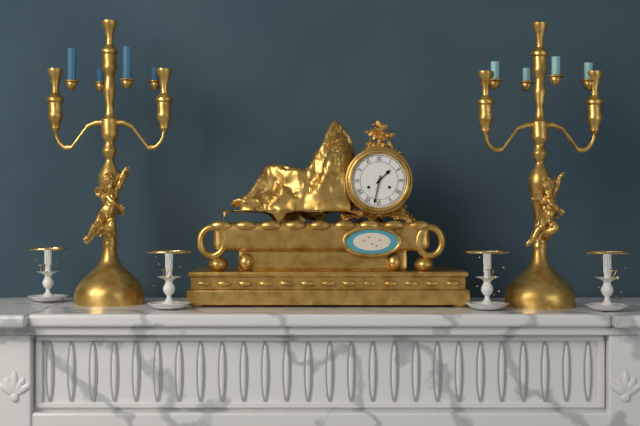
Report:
1,32
